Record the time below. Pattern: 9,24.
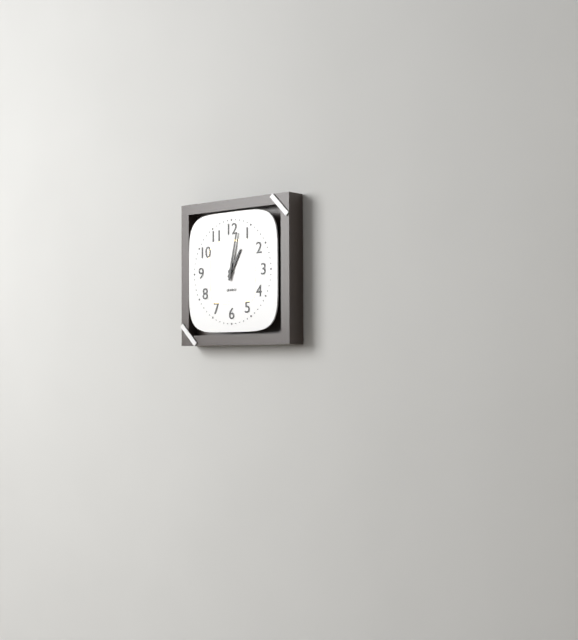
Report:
1,02
